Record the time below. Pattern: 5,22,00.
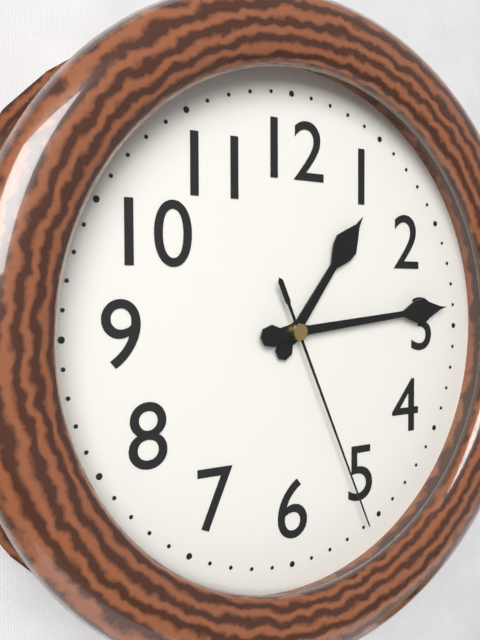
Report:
1,14,26
